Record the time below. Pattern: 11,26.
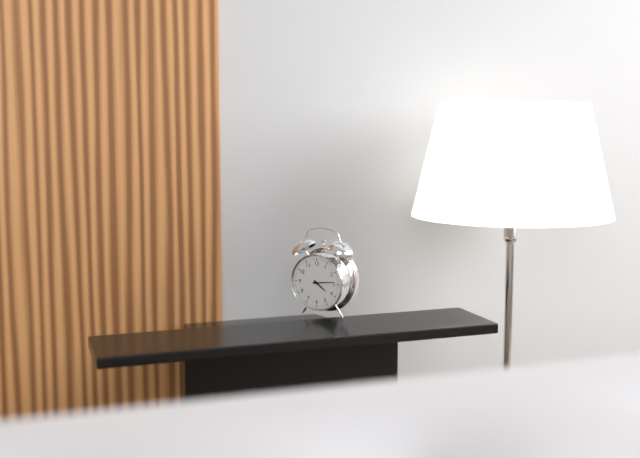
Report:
4,14
